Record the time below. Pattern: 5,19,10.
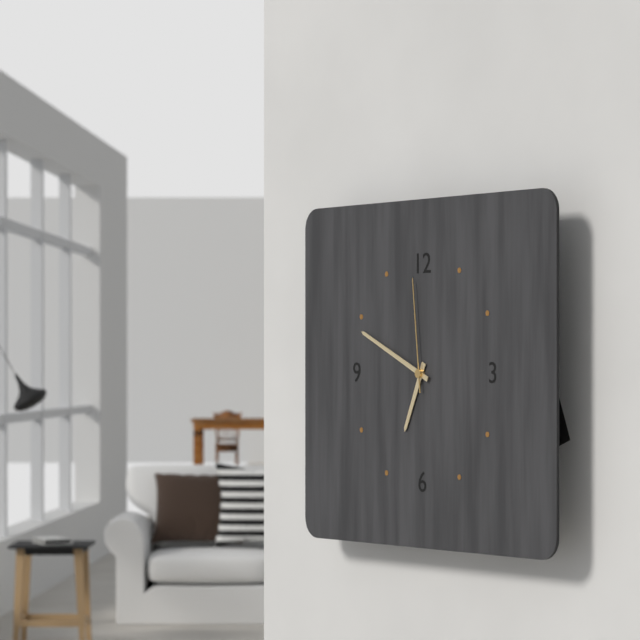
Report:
6,49,59
